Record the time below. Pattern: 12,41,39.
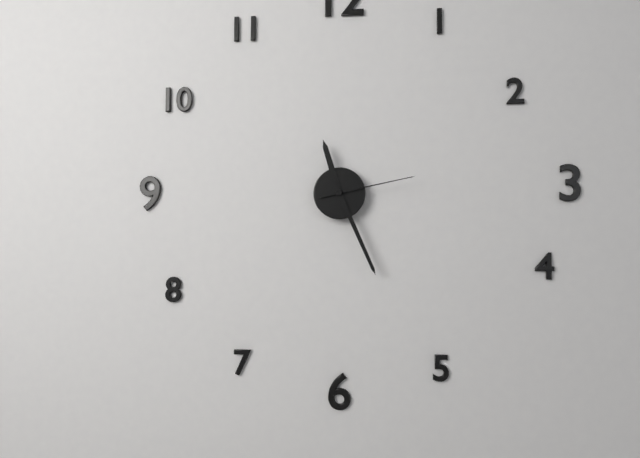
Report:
11,26,13
